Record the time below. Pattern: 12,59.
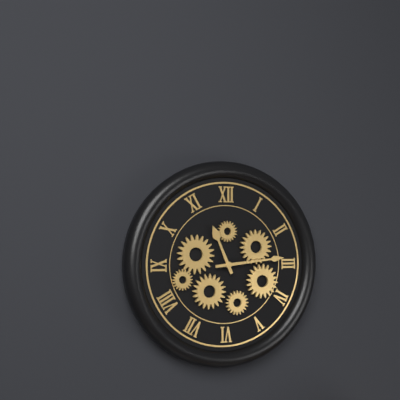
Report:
11,14
